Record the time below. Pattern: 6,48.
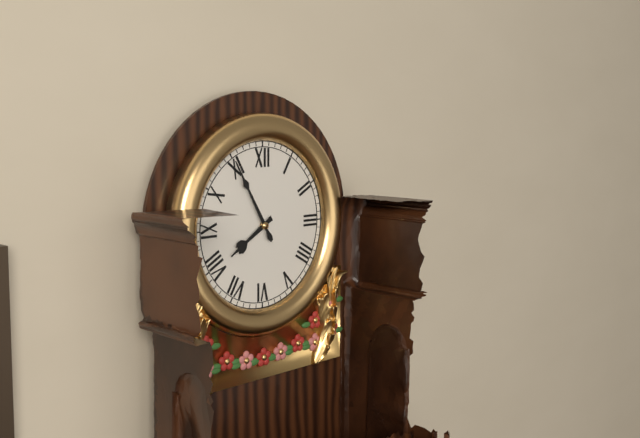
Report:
7,55
